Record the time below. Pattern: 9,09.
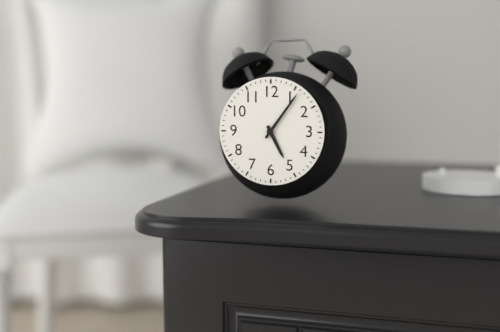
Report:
5,06
